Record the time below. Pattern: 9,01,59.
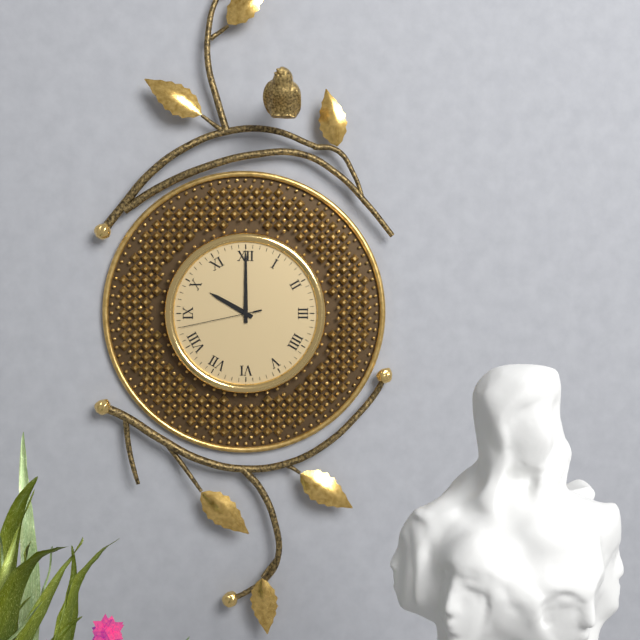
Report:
10,00,43
